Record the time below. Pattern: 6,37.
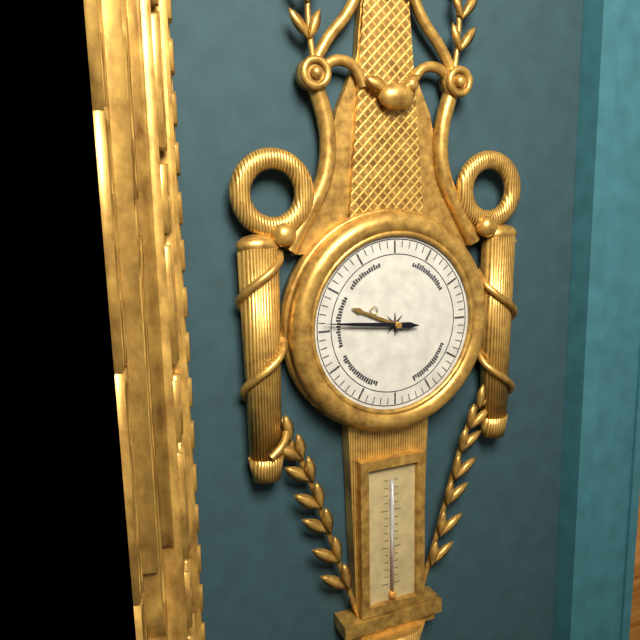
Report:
9,46
